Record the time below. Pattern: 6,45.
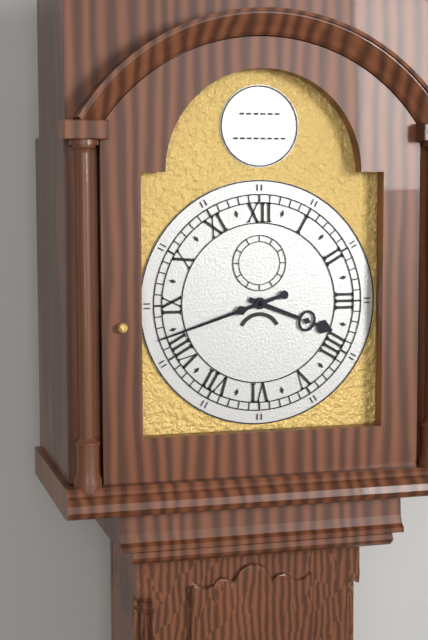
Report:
3,42
